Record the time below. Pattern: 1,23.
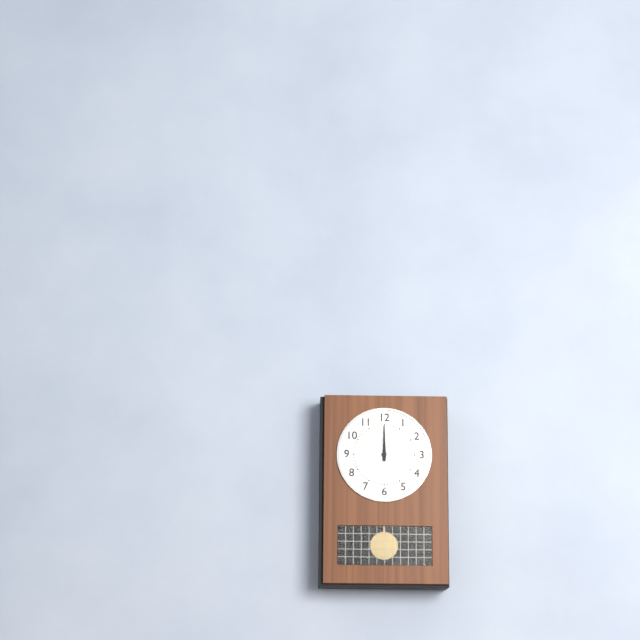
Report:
12,00
